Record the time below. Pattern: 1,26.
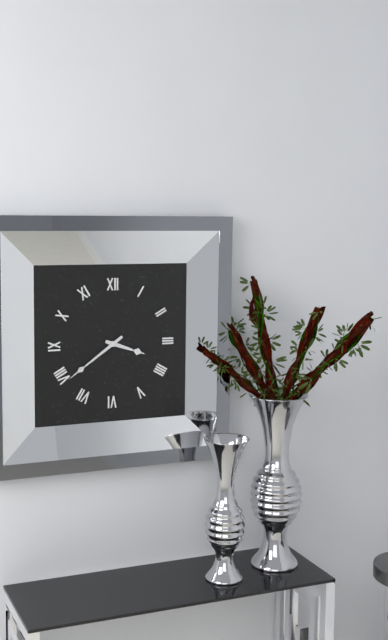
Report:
3,39
